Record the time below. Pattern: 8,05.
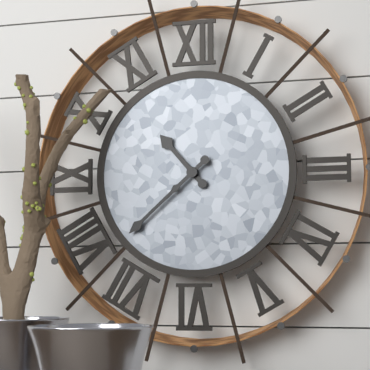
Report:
10,38
